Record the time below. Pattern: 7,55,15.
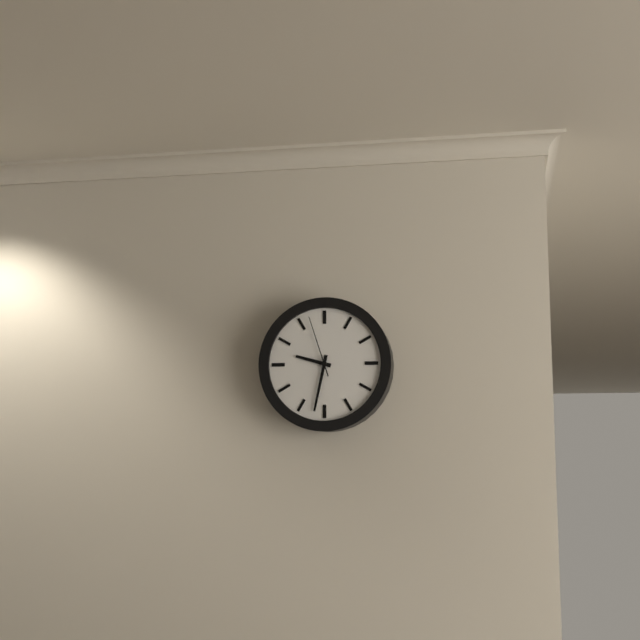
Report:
9,32,57
